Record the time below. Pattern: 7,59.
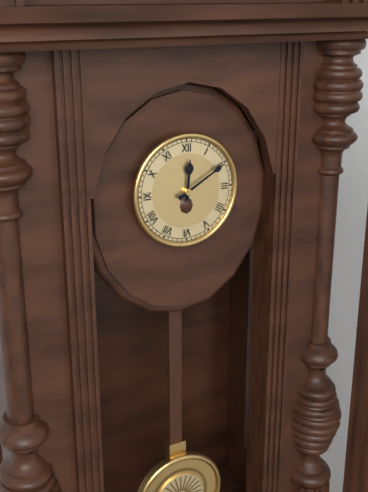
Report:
12,10
